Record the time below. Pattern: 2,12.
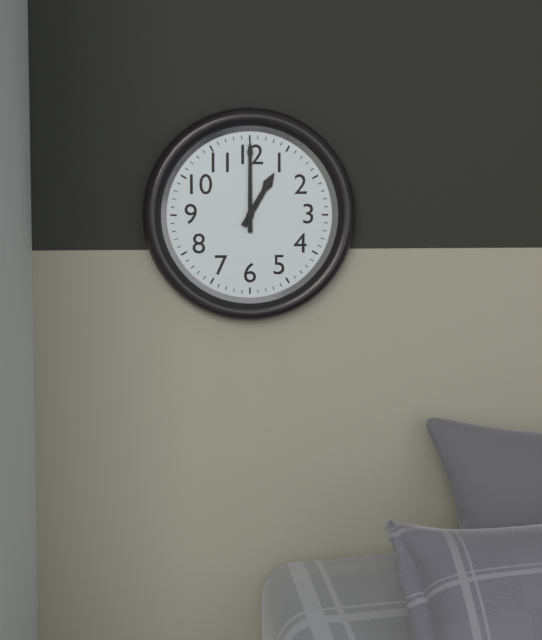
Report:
1,00
